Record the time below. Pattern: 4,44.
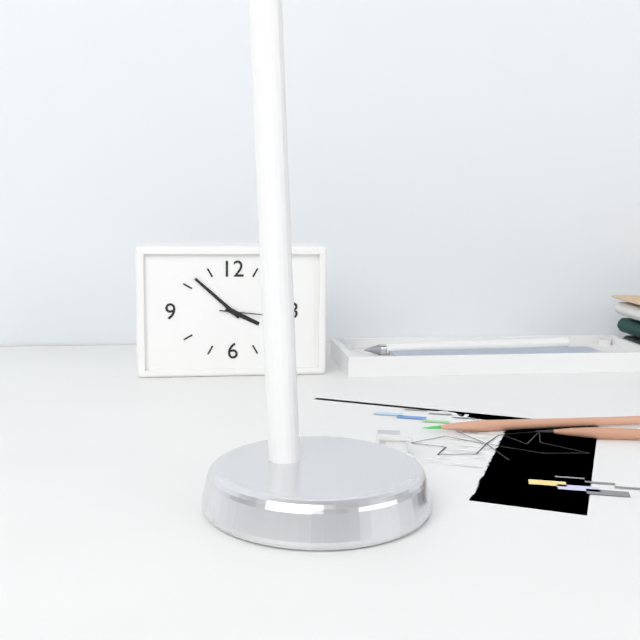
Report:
3,52
